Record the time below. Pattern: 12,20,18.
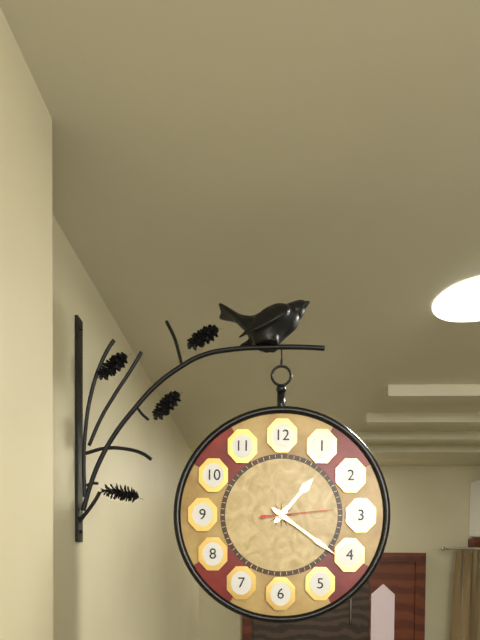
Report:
1,21,14
